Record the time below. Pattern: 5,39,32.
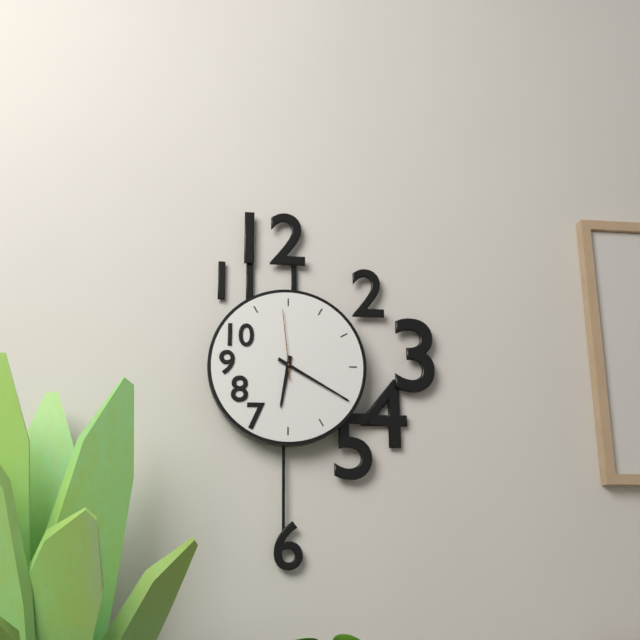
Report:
6,20,59
